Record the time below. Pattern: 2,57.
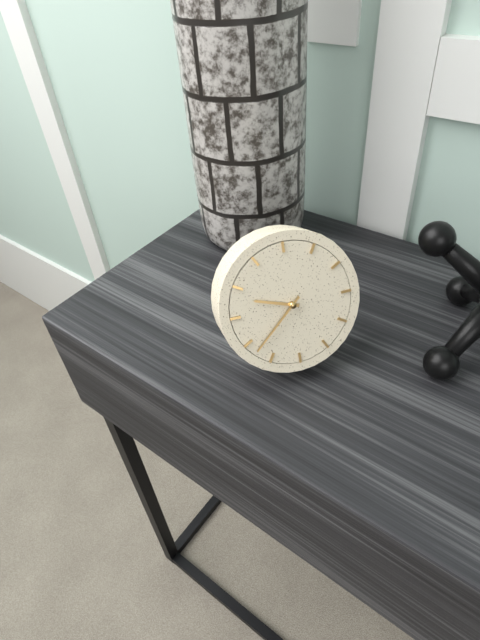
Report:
9,38
